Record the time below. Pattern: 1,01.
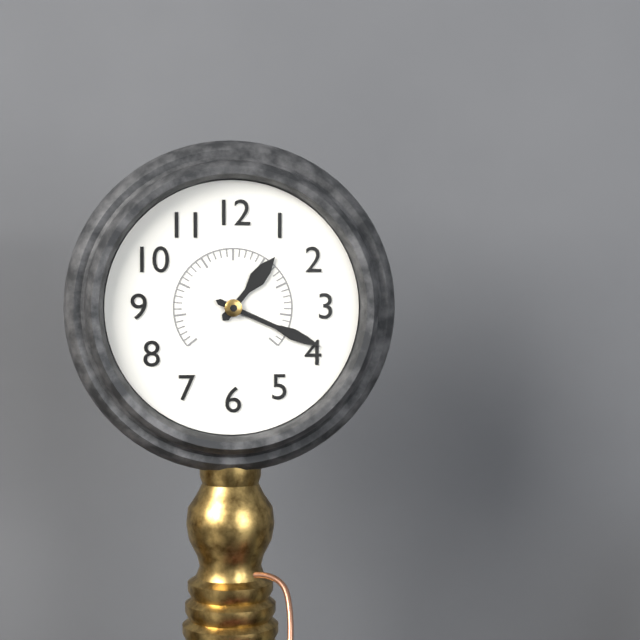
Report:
1,19
